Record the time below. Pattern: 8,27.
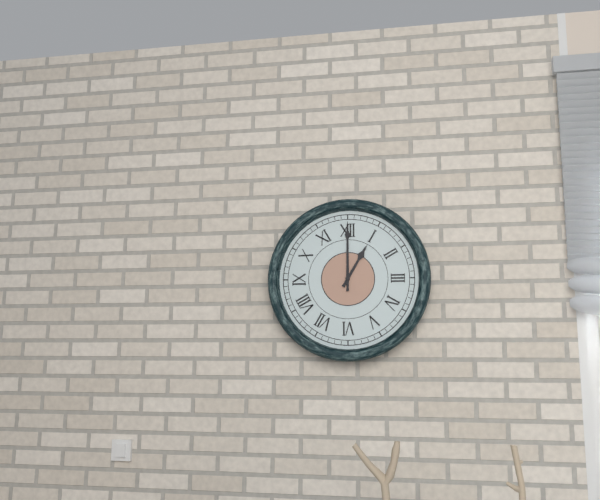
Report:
1,00
